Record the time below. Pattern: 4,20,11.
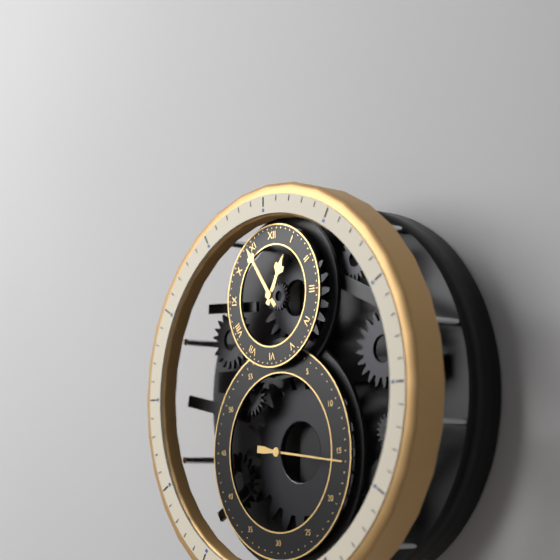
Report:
12,54,16
